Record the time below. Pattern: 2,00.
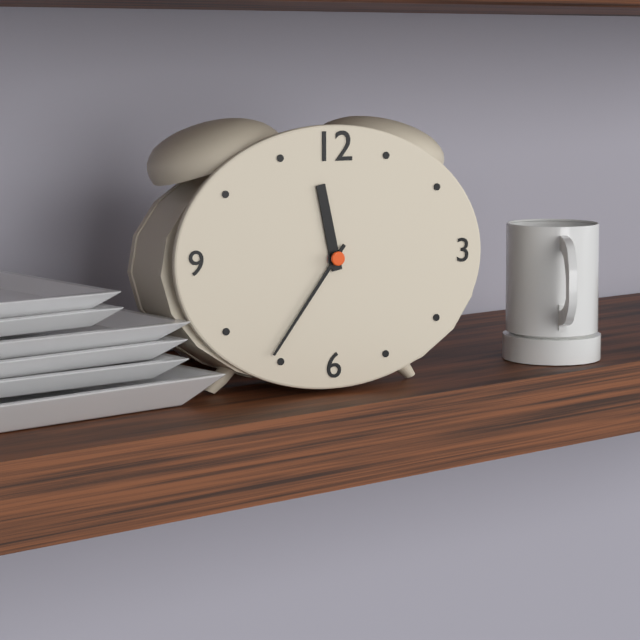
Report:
11,36
